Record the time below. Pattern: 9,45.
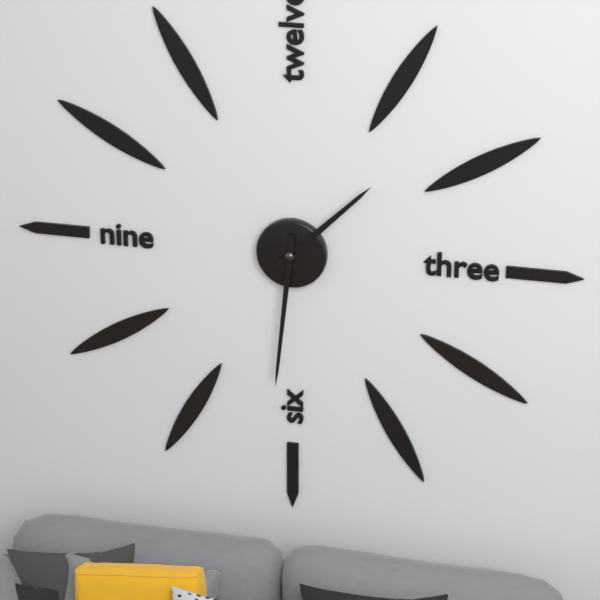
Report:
1,31
